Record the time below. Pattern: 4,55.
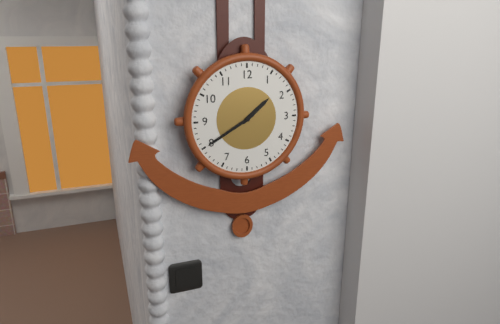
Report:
1,40
